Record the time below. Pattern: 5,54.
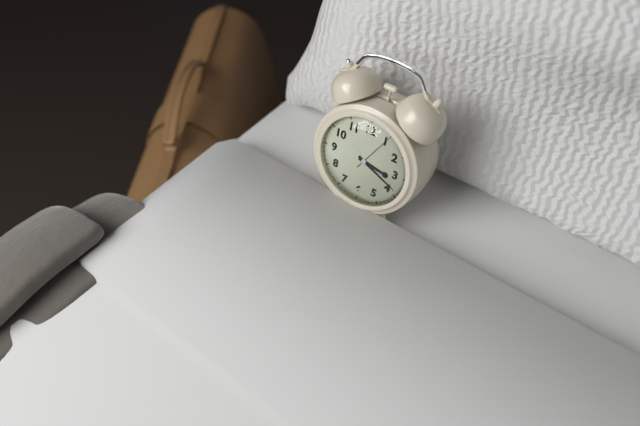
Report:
3,19
